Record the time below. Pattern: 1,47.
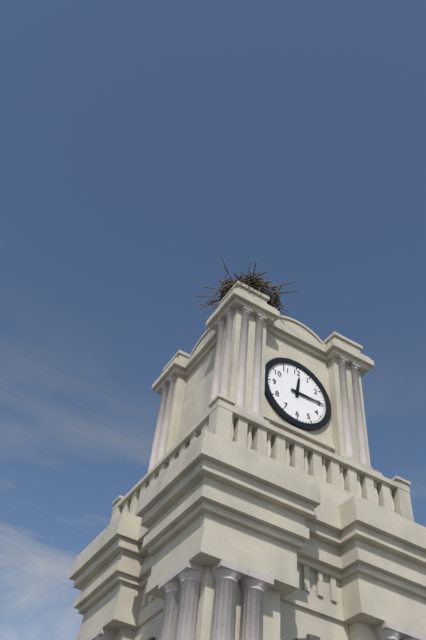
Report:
12,15
